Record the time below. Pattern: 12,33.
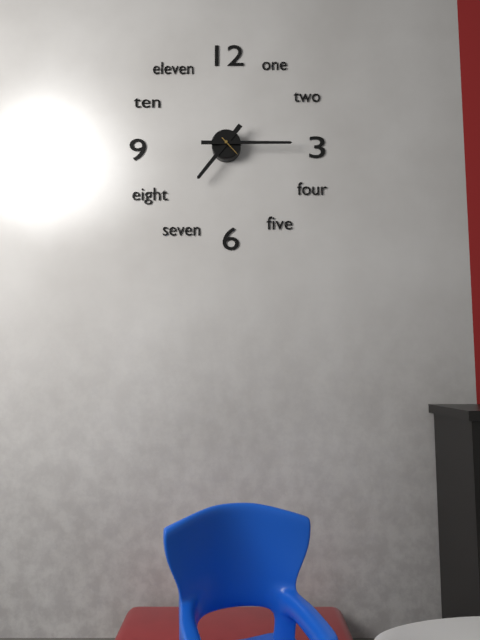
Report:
7,15
